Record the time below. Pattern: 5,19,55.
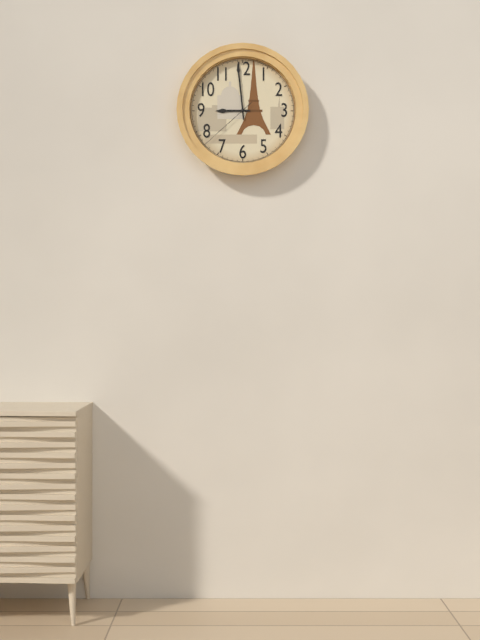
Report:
8,59,38
